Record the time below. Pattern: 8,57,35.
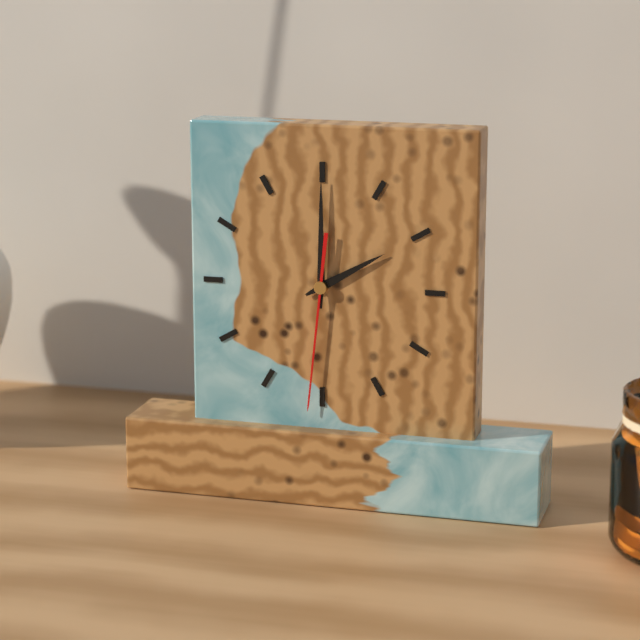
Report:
2,00,31
